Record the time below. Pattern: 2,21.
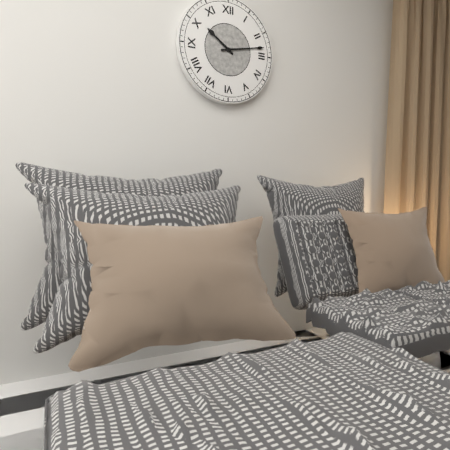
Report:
10,13
